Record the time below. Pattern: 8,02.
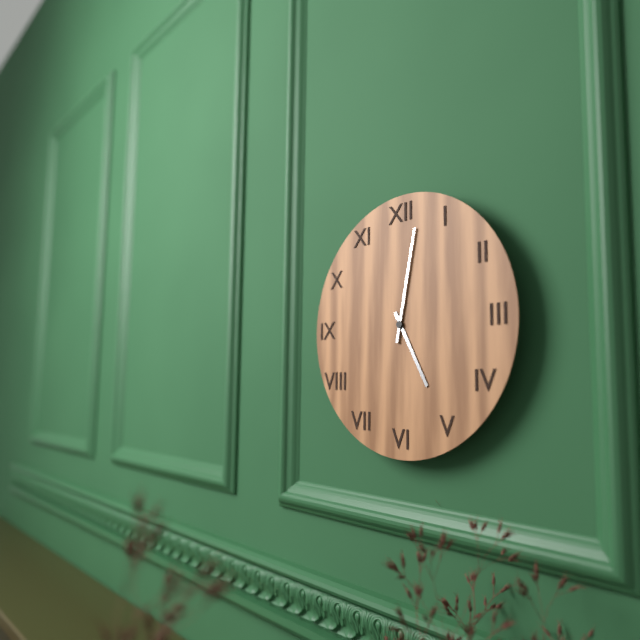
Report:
5,02
